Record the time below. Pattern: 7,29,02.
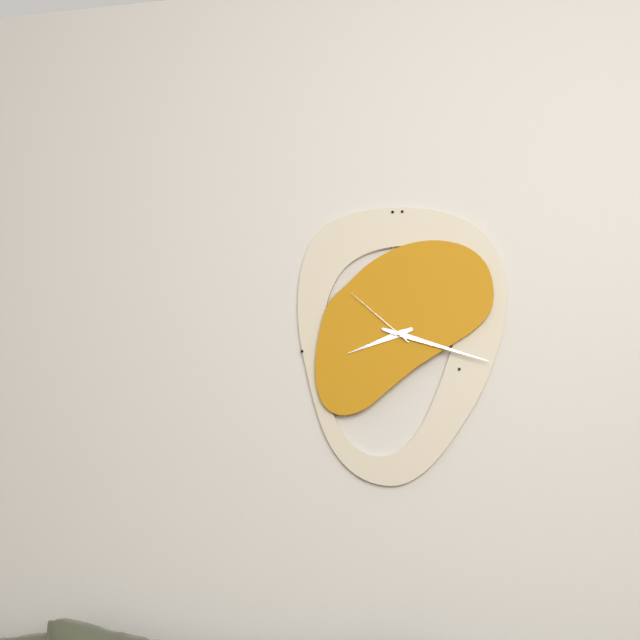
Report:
8,18,52
